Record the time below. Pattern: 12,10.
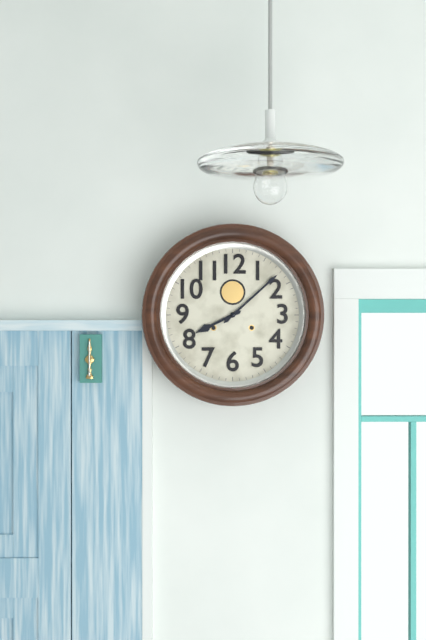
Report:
8,08
